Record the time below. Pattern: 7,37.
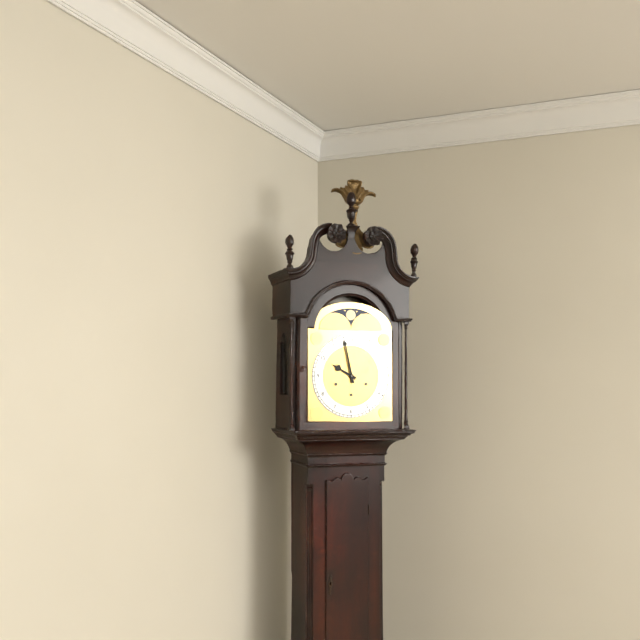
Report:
9,58
